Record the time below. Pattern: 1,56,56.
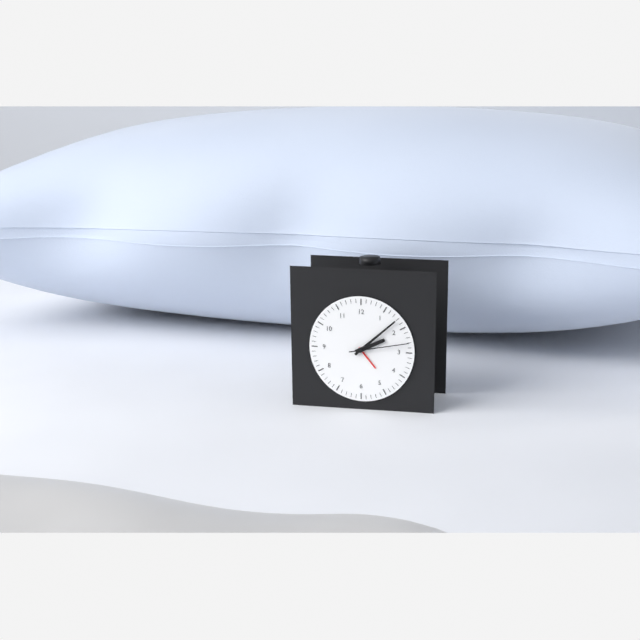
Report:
2,08,13
